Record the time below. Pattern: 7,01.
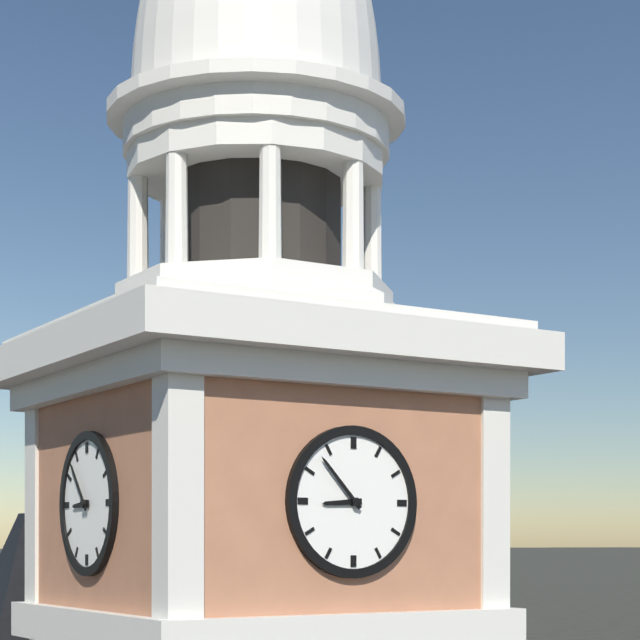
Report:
8,53
